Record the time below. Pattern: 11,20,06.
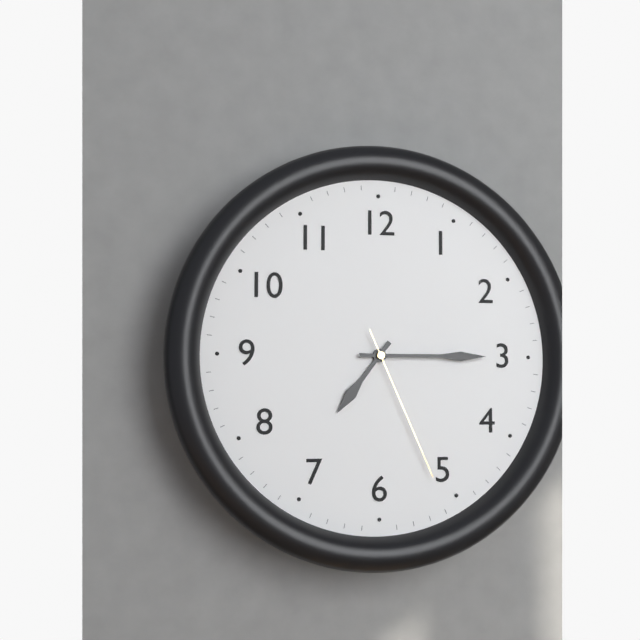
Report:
7,15,26
